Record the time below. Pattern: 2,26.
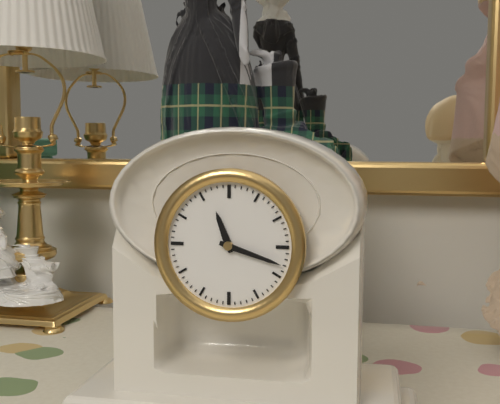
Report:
11,18
